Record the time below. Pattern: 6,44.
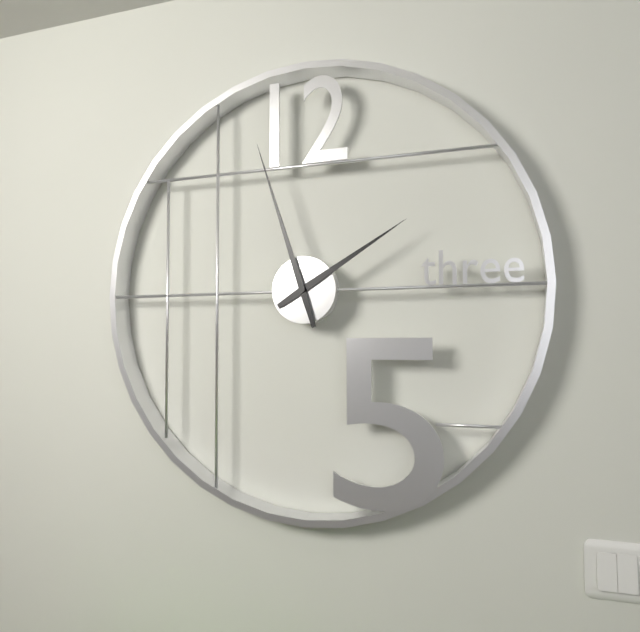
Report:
1,57
